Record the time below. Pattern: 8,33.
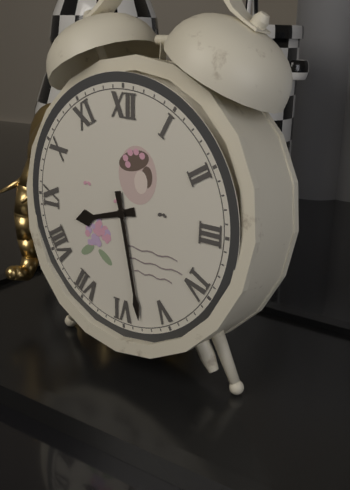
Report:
8,28
